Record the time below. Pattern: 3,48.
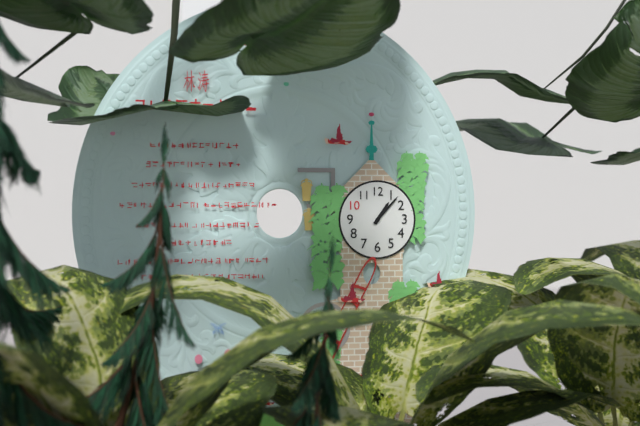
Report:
1,07
